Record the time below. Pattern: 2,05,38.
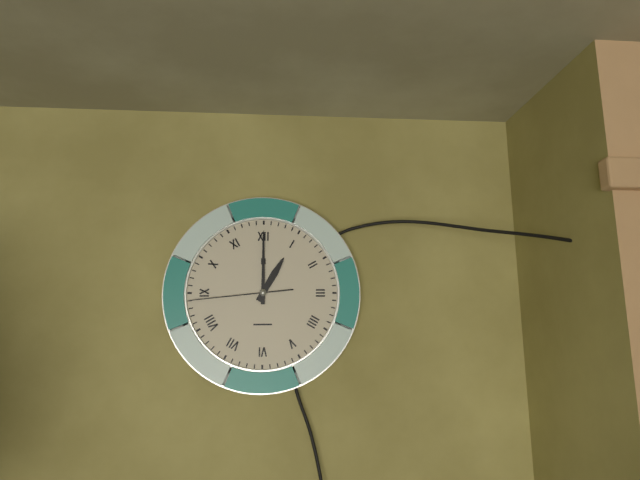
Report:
1,00,44
